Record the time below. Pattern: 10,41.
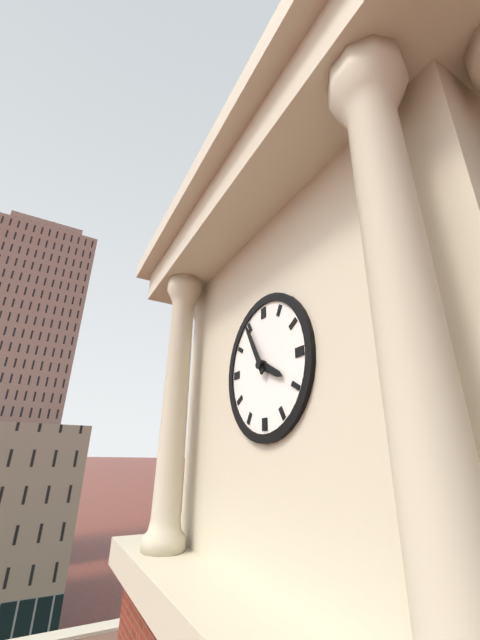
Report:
3,55
